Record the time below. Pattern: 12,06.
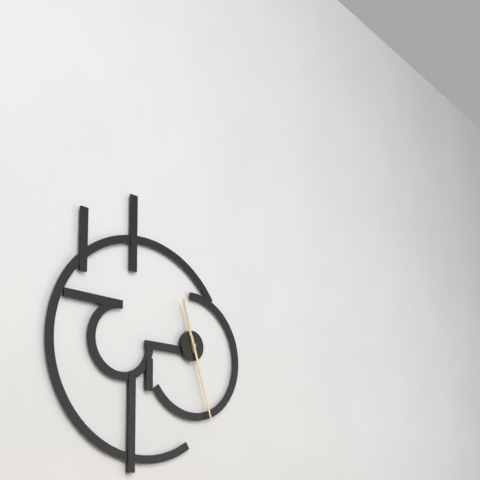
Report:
11,27
